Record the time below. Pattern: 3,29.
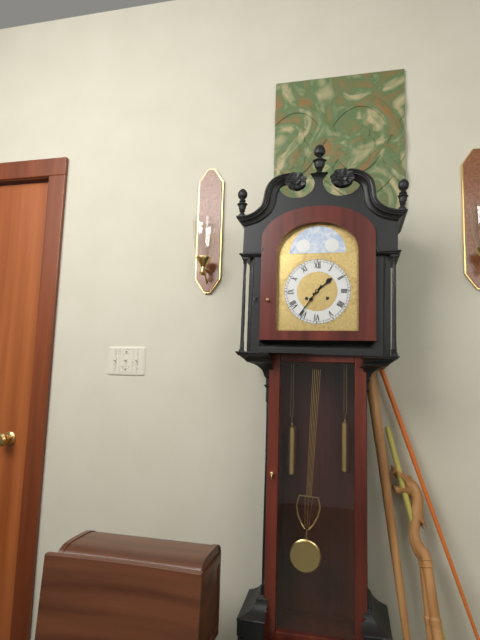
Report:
1,36
